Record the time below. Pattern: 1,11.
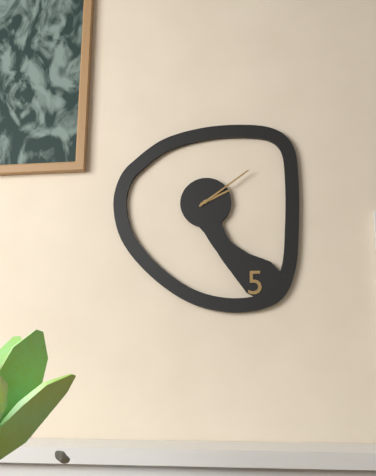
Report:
2,09
